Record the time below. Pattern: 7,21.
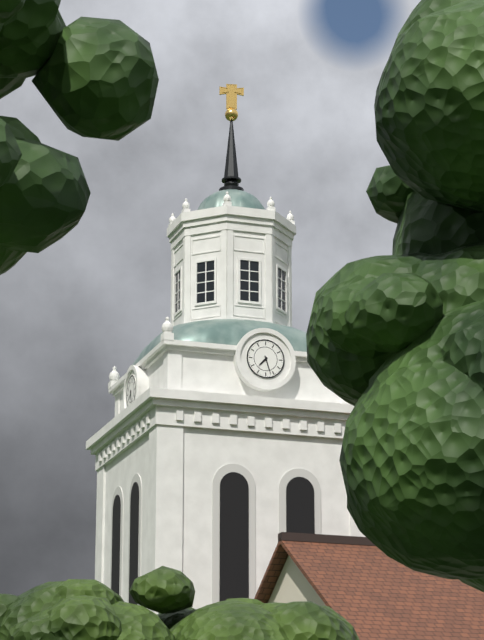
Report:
7,27
